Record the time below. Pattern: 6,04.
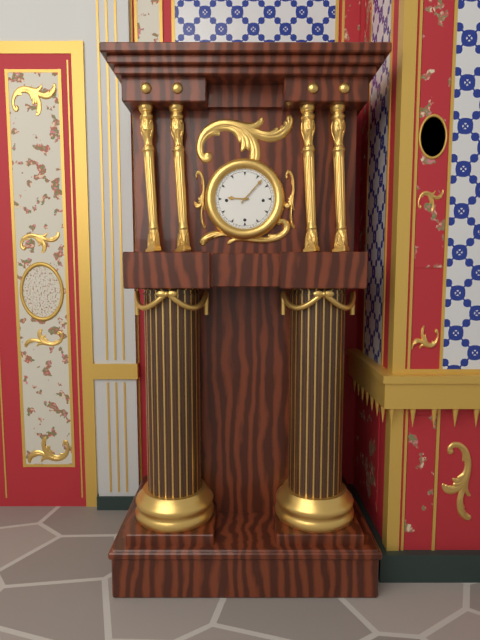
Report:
9,07
